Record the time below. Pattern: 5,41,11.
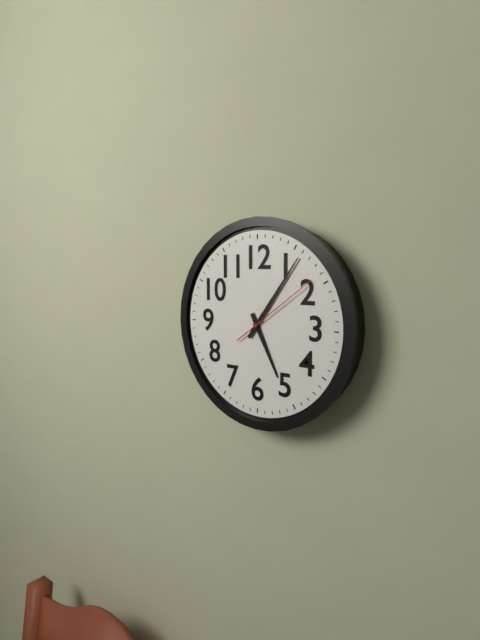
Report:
5,06,09
